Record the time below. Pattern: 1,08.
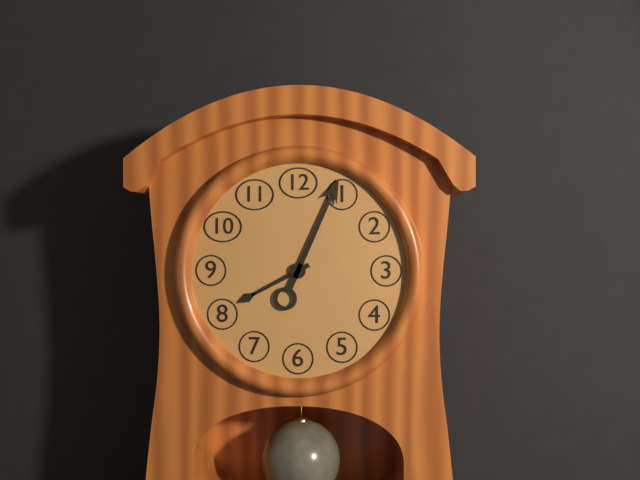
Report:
8,04
